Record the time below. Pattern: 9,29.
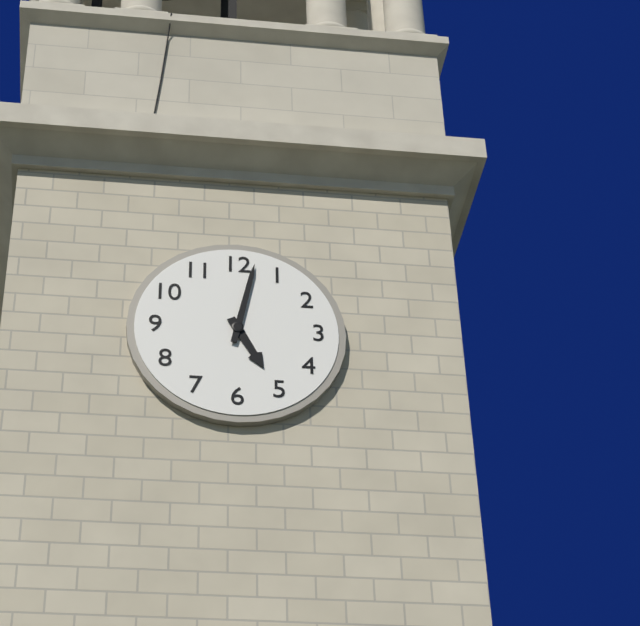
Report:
5,02
